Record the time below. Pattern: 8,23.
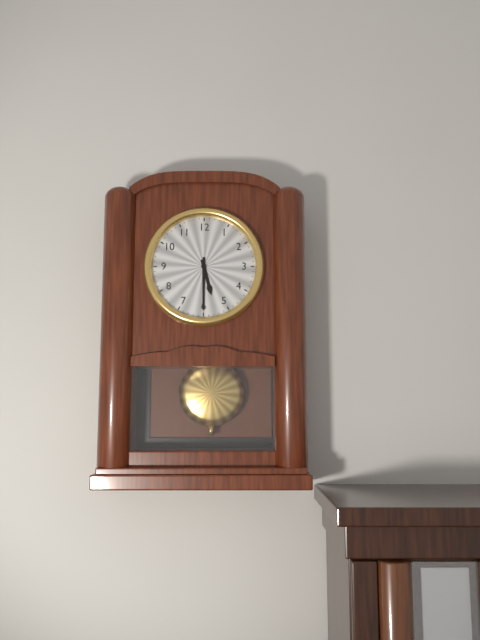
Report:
5,30
